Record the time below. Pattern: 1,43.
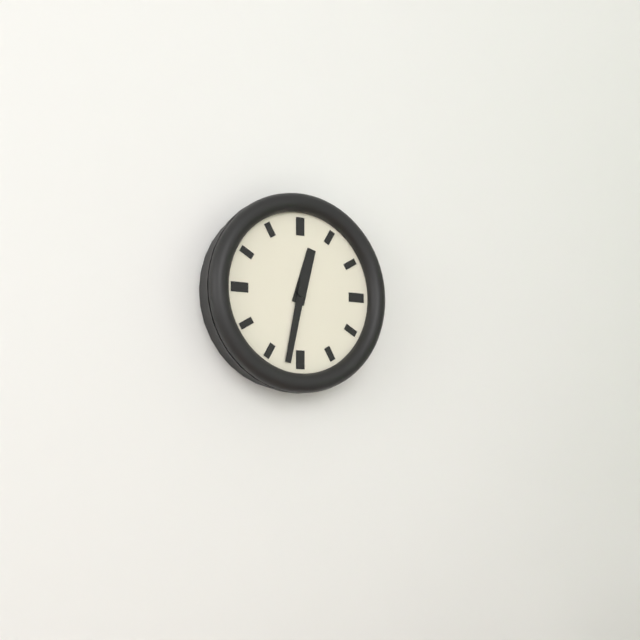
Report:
12,32
